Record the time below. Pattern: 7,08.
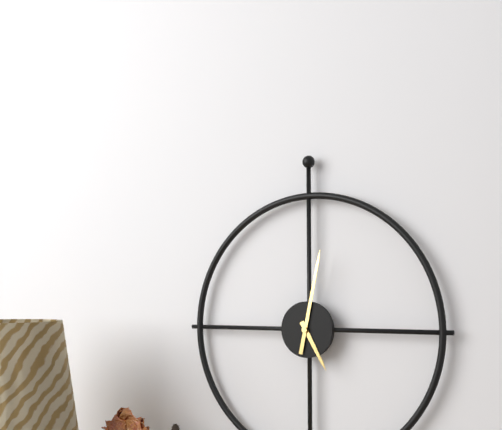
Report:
5,02
